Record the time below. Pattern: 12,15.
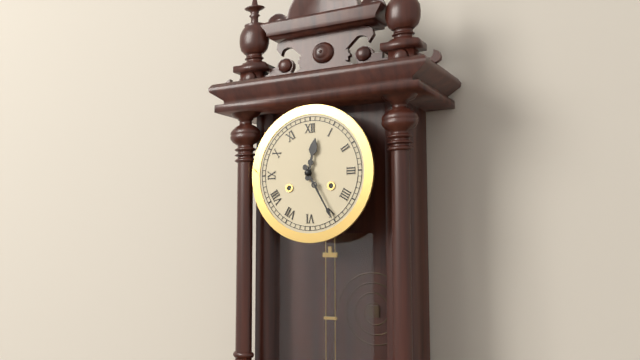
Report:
12,25
